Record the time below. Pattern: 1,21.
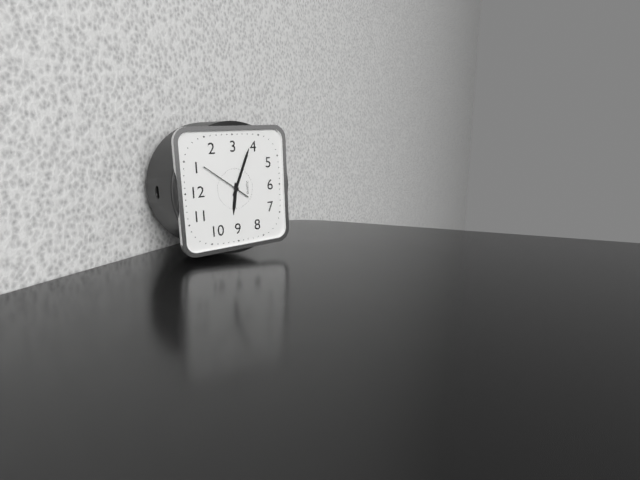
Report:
9,19
